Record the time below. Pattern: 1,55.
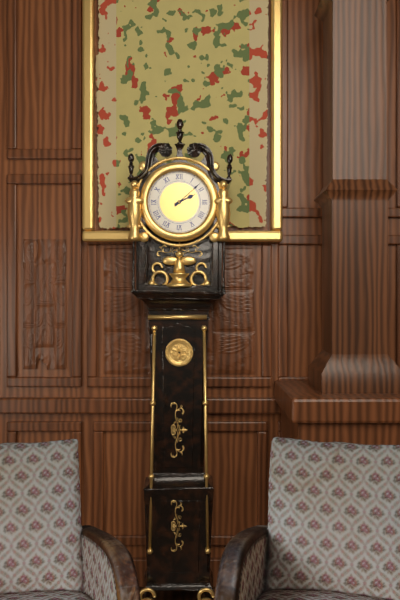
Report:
2,08
